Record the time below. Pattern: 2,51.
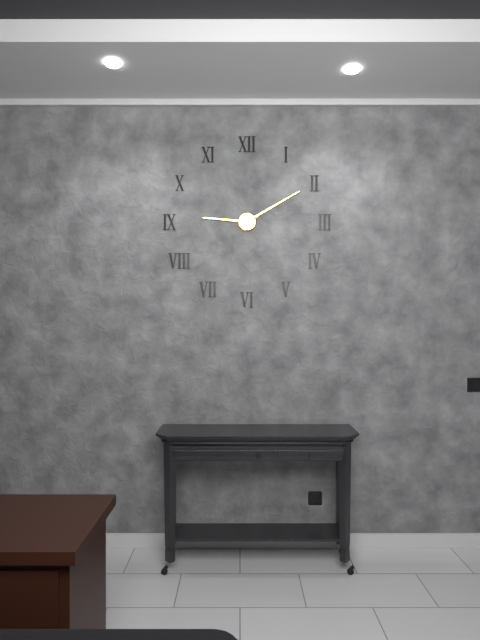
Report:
9,10
